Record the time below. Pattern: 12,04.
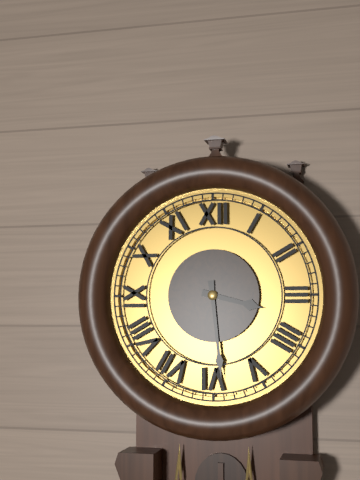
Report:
3,29
